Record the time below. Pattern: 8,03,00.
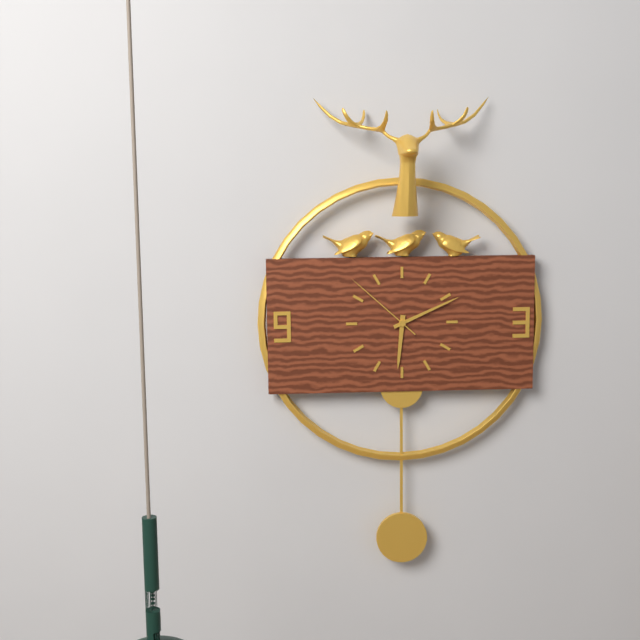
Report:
6,11,52
